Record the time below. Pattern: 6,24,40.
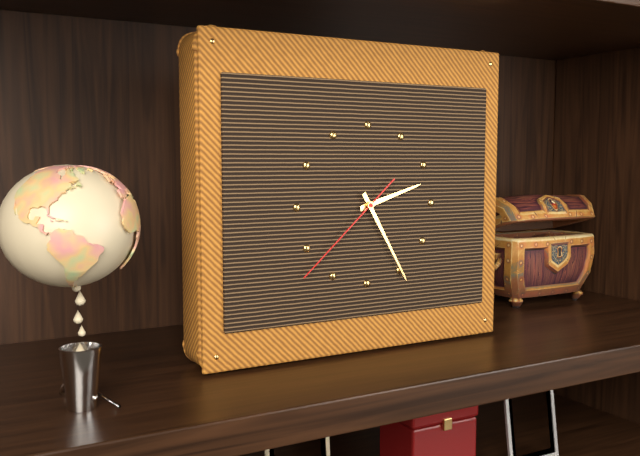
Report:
2,25,38
